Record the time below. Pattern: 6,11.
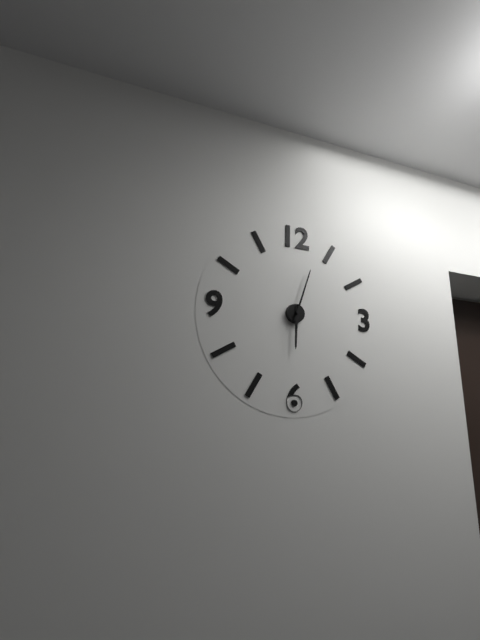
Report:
6,03
